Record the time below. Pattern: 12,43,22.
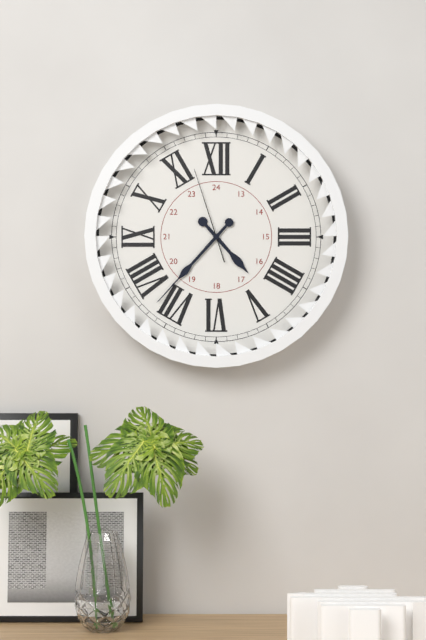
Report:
4,37,57
